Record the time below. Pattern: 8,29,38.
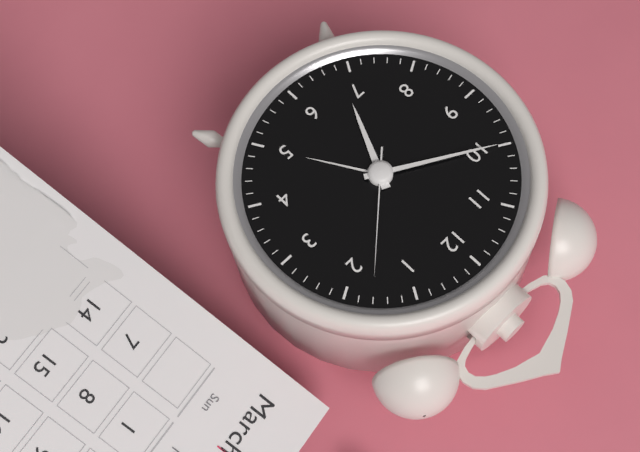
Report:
6,50,08
